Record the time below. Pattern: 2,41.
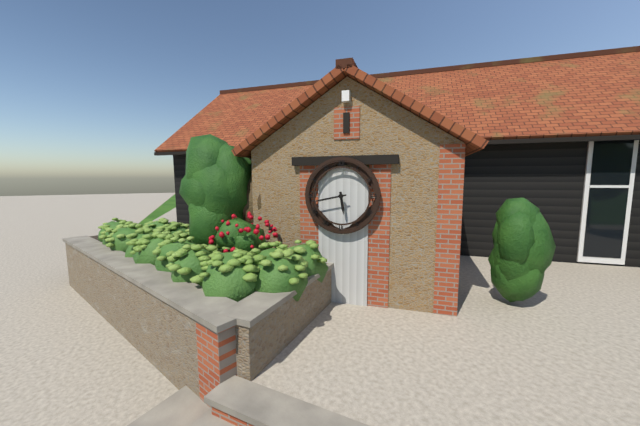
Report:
5,43
